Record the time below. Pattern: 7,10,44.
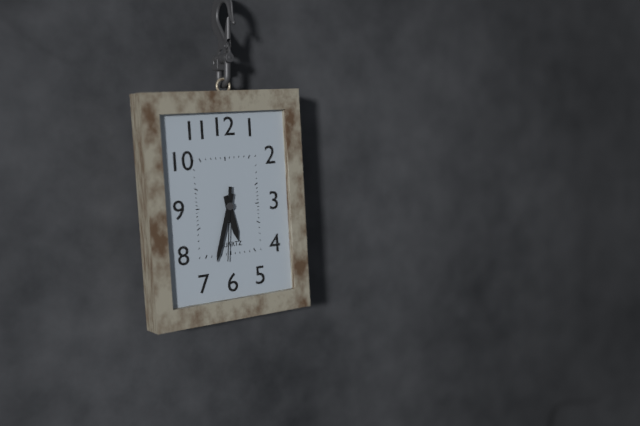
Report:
5,33,31
